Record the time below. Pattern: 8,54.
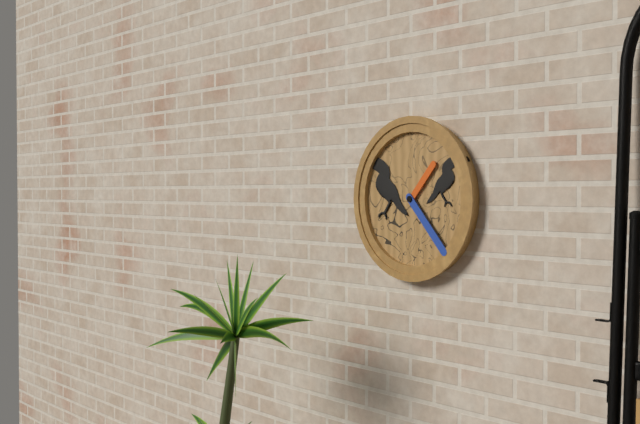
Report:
1,23
